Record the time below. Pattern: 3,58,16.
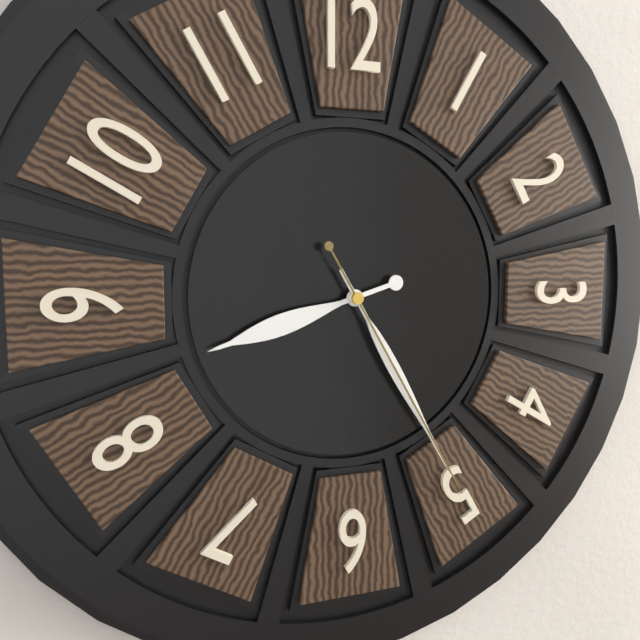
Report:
8,25,25
